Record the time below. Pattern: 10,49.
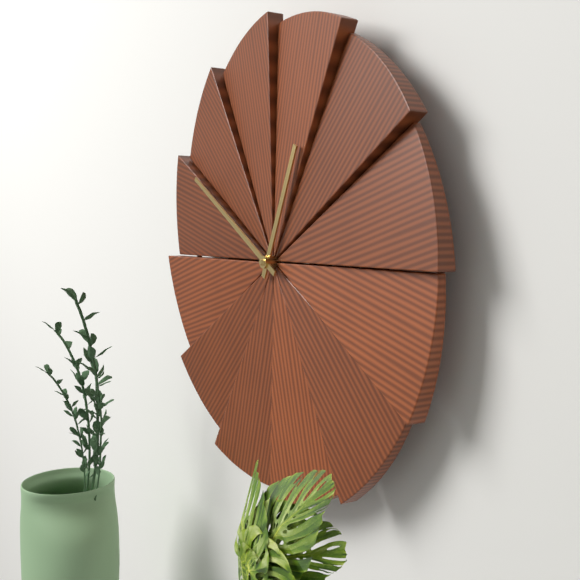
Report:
12,50
